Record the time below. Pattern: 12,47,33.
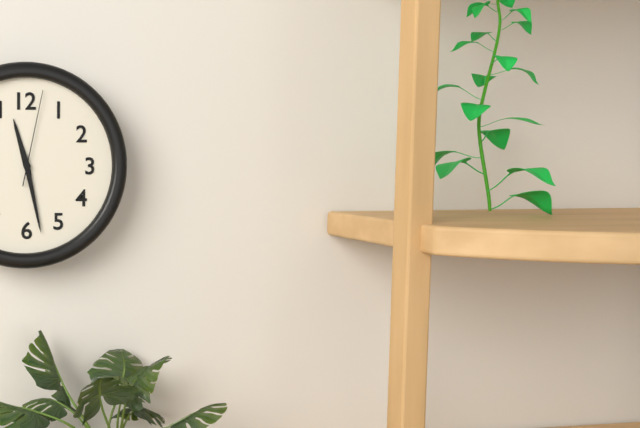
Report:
11,28,02
